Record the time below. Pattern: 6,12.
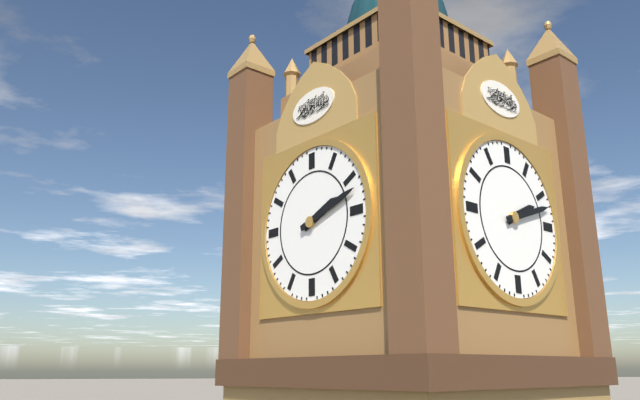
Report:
2,12
